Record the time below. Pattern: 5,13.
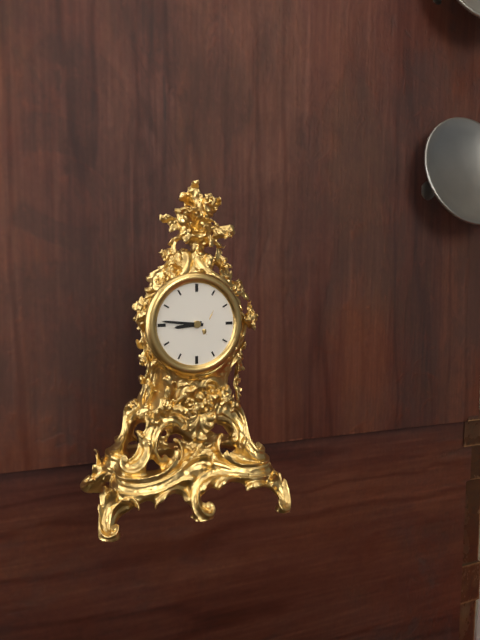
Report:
8,46
